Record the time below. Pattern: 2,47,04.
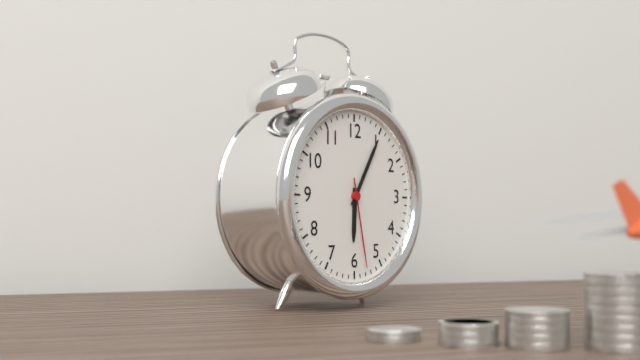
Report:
6,05,28
